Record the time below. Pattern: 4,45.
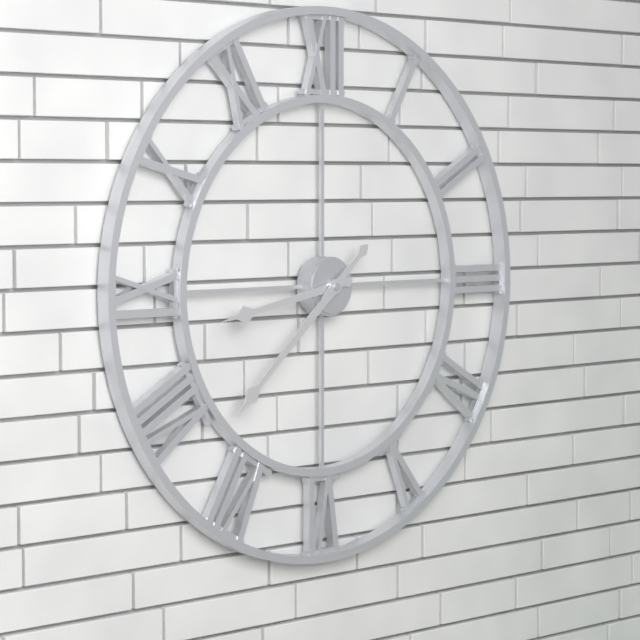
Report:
8,38
